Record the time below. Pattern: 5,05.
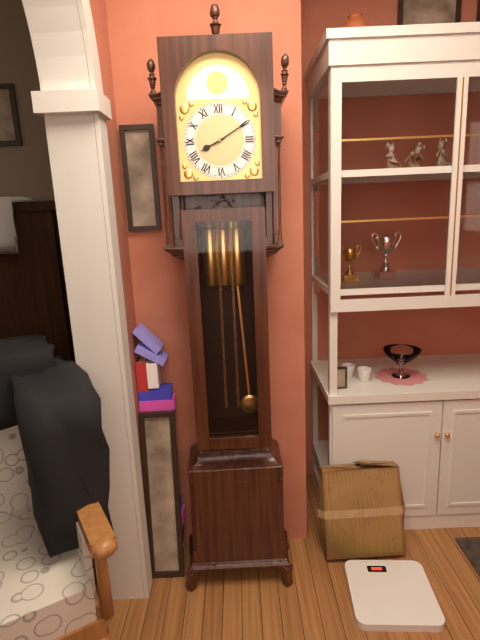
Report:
8,10
